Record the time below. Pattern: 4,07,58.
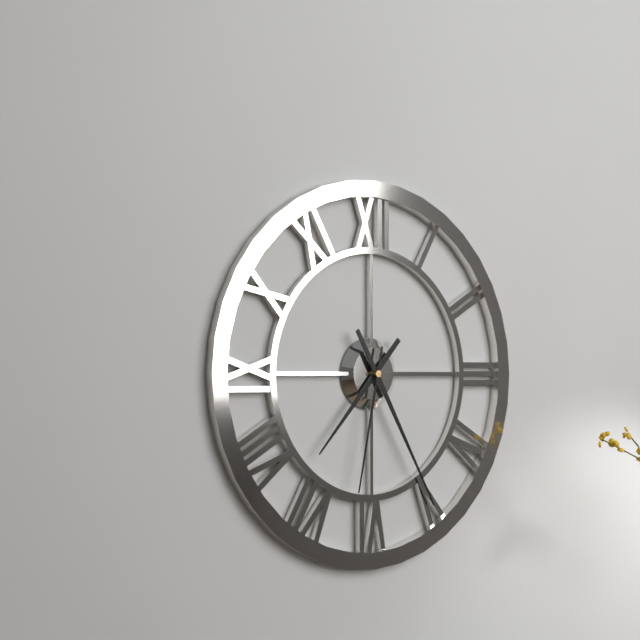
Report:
7,25,32
